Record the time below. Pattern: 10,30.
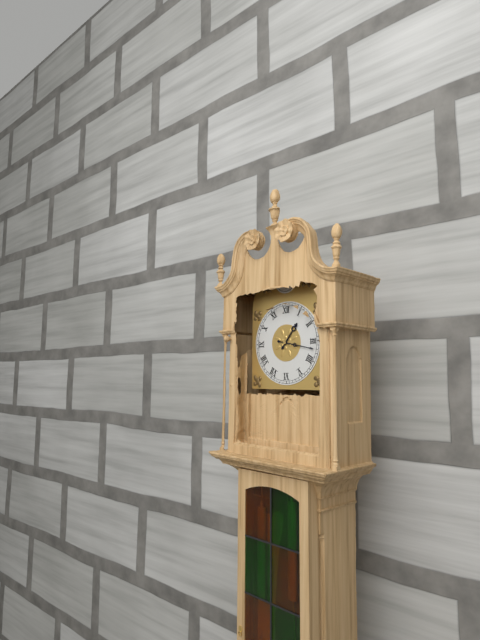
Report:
1,17
